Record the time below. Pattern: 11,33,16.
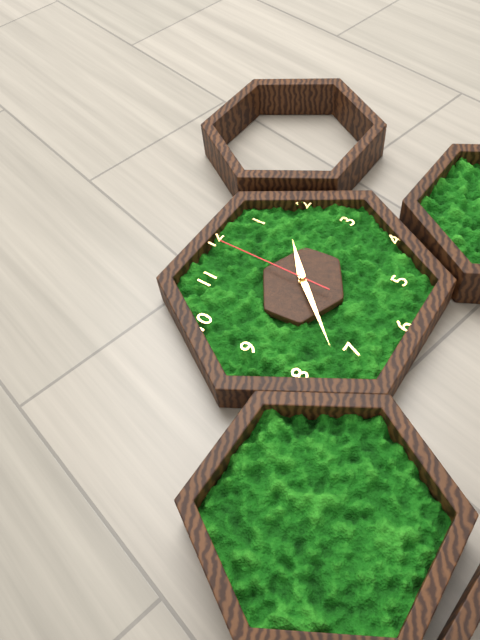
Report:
1,37,00
